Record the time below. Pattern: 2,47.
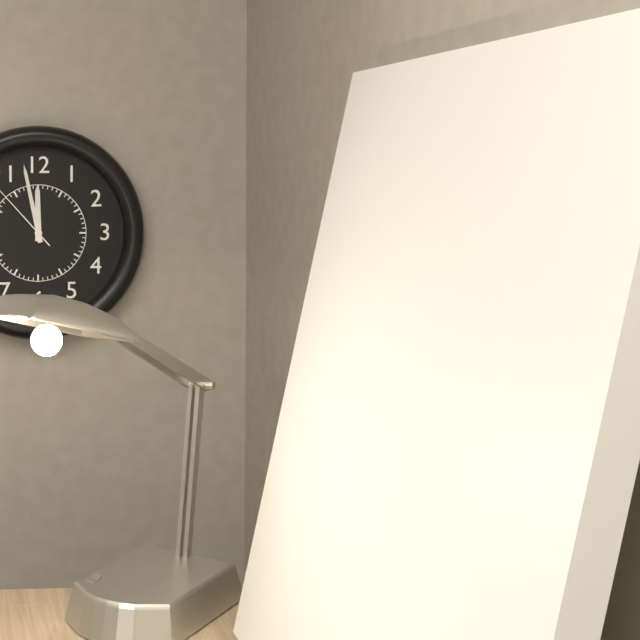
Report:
11,58
